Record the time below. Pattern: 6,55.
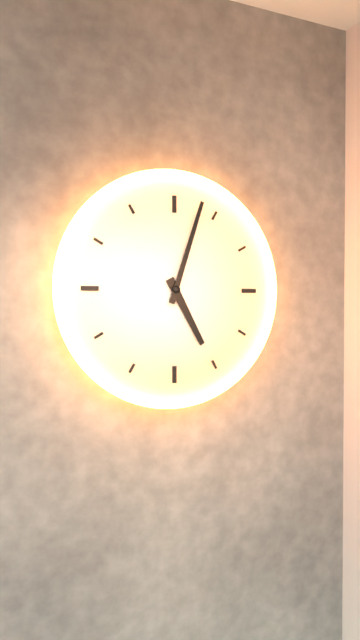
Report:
5,03
